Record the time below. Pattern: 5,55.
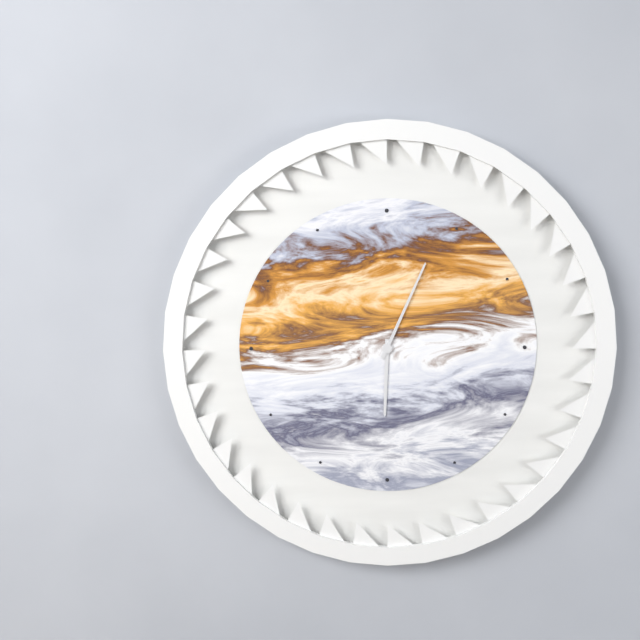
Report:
6,04
